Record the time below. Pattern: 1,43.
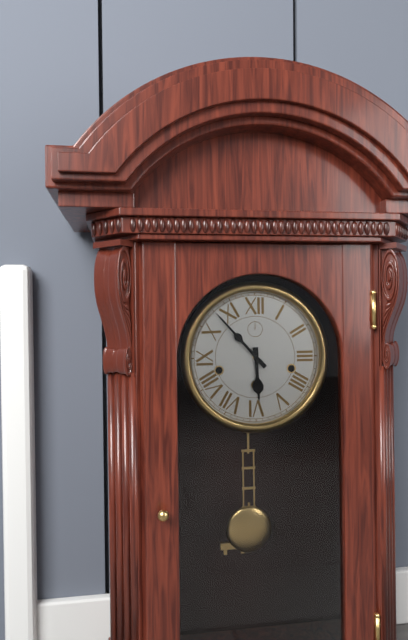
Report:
5,53
